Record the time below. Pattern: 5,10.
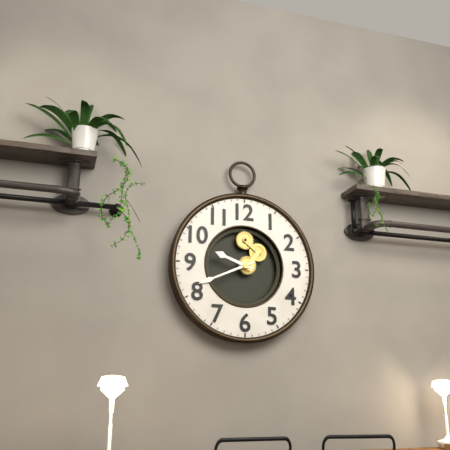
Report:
9,41
